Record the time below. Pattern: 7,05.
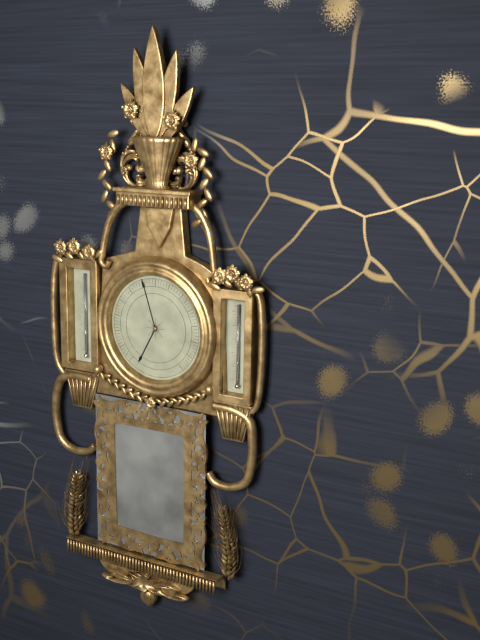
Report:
6,57
